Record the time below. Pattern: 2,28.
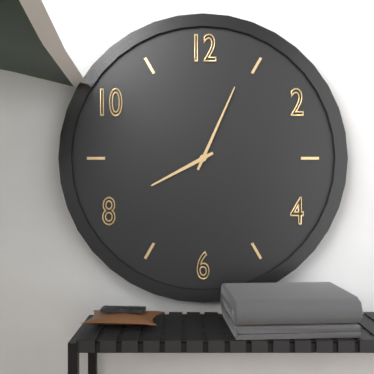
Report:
8,04
